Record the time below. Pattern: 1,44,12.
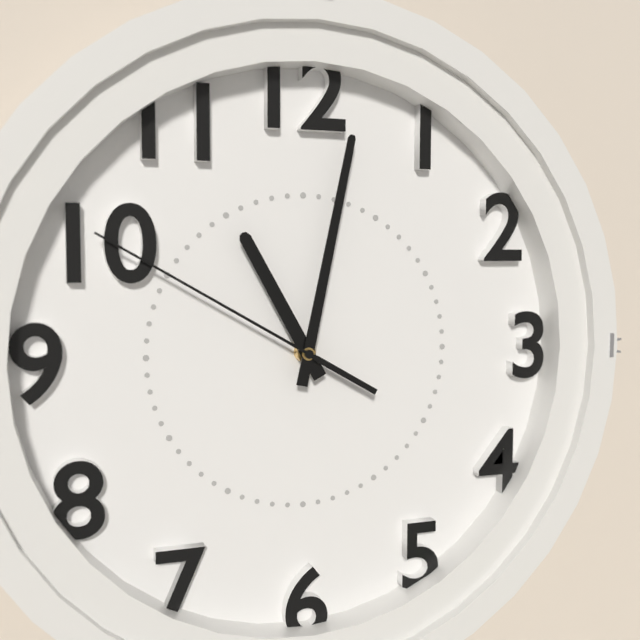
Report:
11,02,50
